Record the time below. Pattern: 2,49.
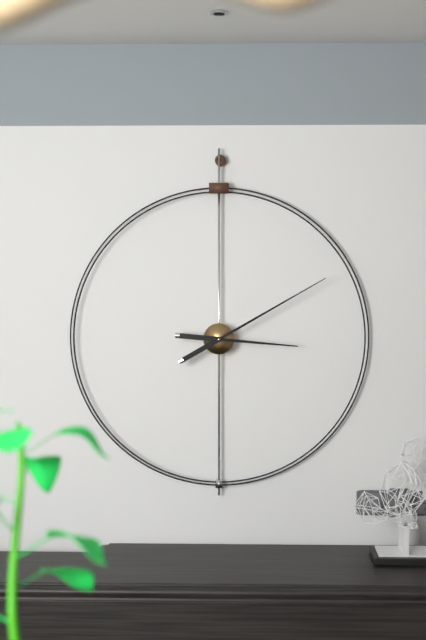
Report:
3,10
